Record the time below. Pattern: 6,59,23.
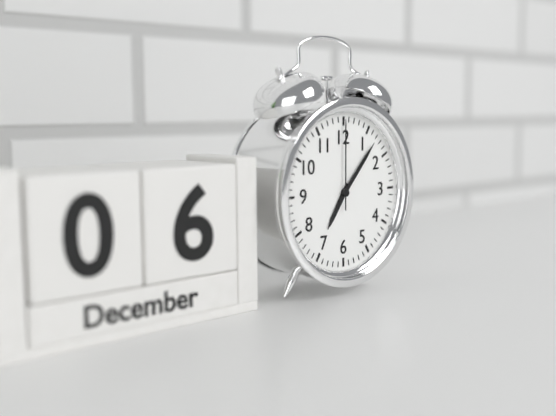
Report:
7,07,00
